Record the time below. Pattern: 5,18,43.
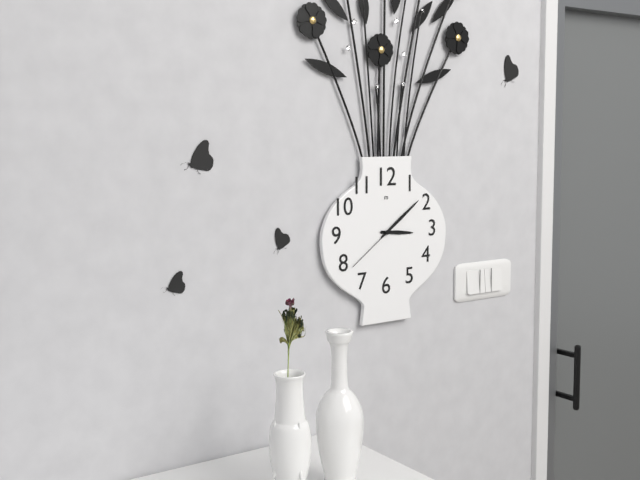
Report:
3,09,39
